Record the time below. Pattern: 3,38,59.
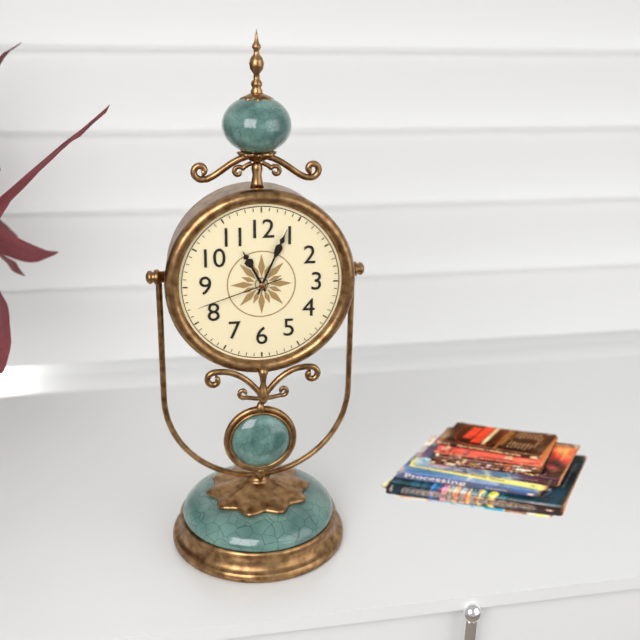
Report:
11,04,42
